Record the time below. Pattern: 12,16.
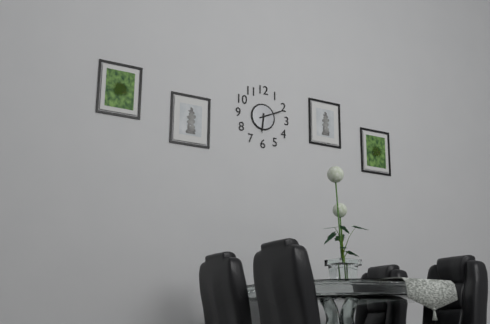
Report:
6,11
